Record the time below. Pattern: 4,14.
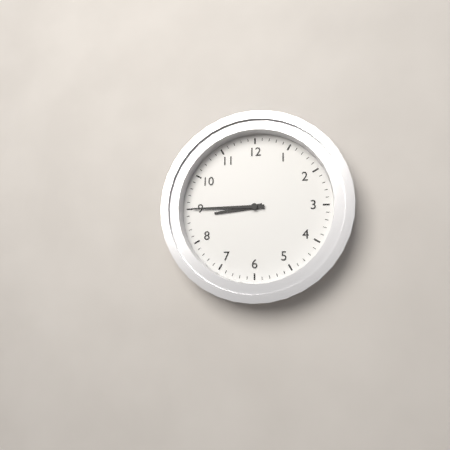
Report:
8,45
